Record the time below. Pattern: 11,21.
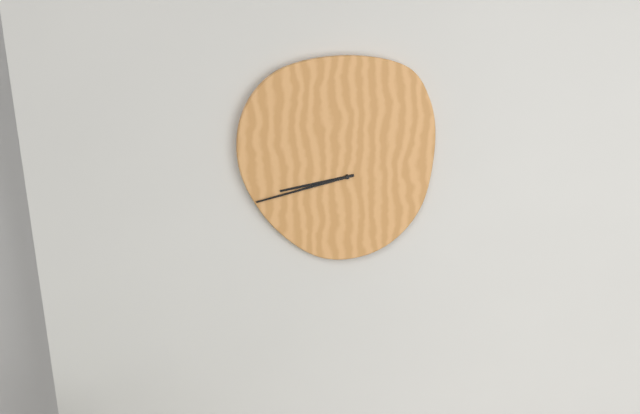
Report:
8,43
